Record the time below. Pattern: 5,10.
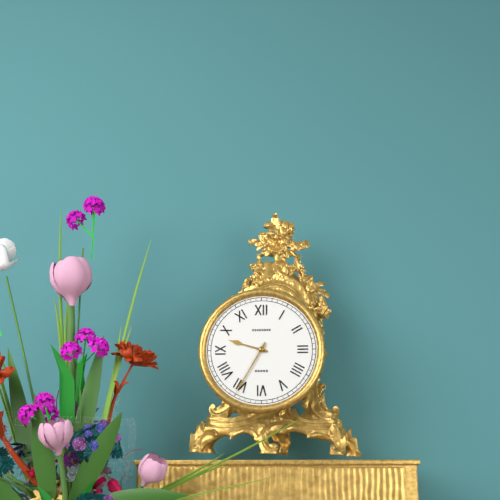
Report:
9,35
